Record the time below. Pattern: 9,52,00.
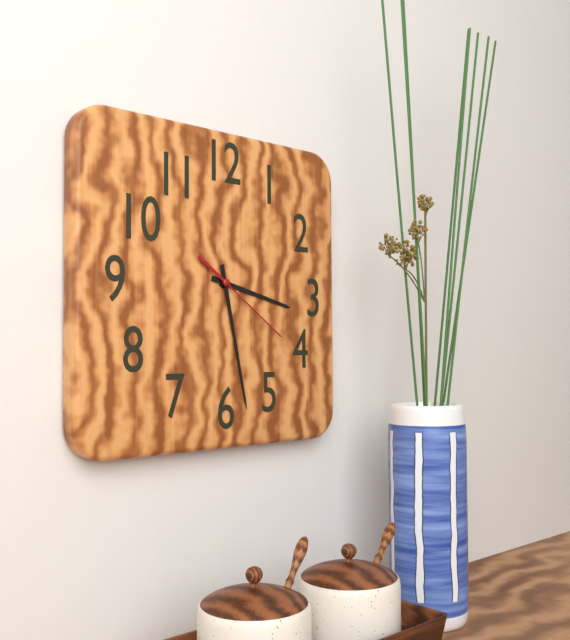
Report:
3,28,21
